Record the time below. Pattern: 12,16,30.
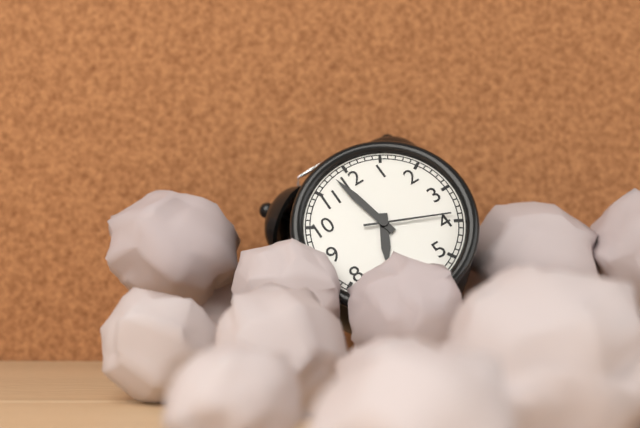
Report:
6,58,19
